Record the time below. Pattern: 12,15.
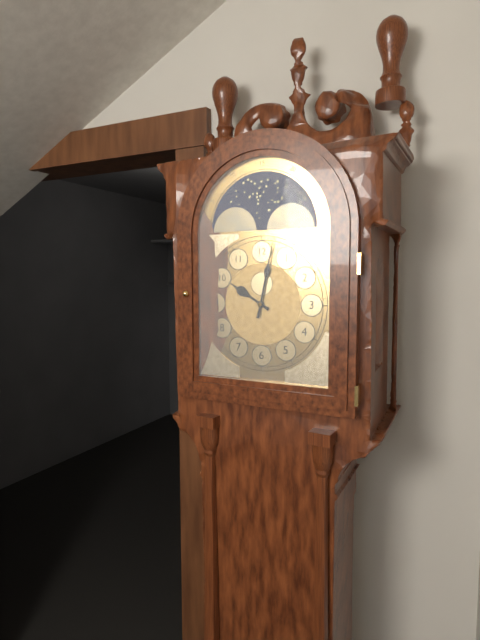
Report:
10,02
